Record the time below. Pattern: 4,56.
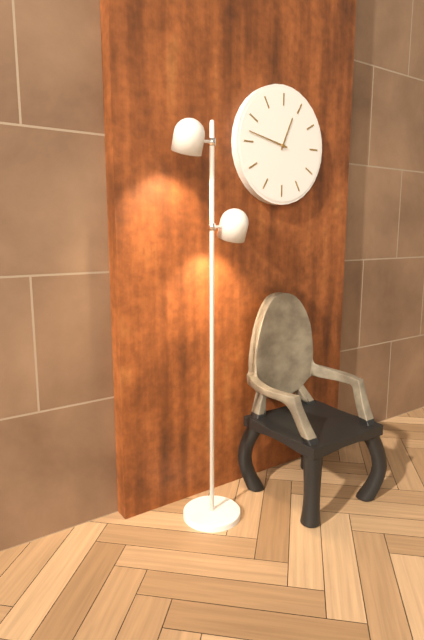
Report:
12,47
